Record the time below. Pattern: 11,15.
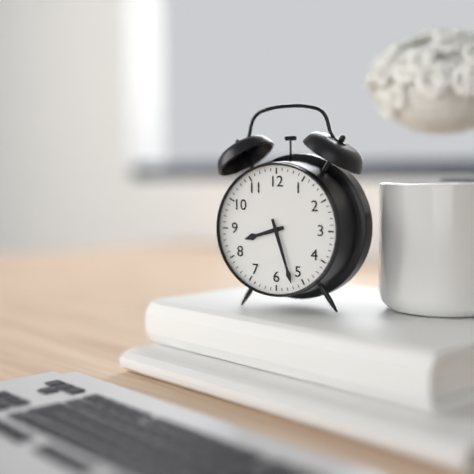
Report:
8,27
